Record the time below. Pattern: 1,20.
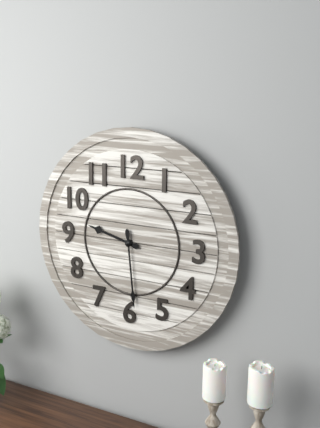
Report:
9,29
